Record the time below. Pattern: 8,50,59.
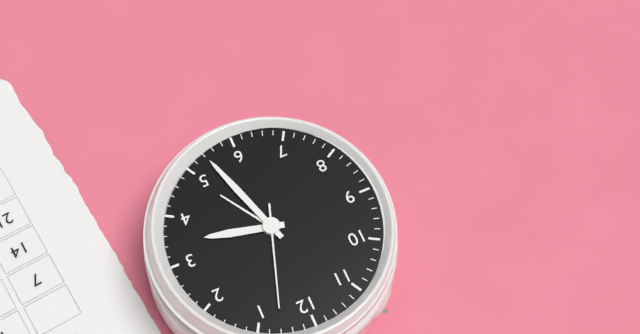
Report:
3,27,03
